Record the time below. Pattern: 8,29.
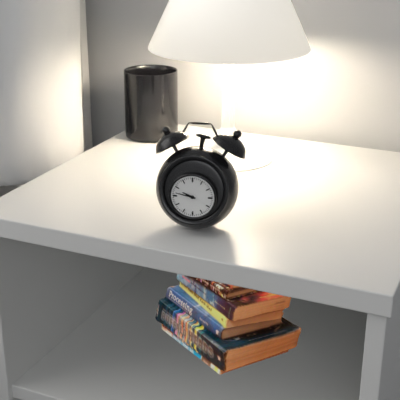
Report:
9,47
